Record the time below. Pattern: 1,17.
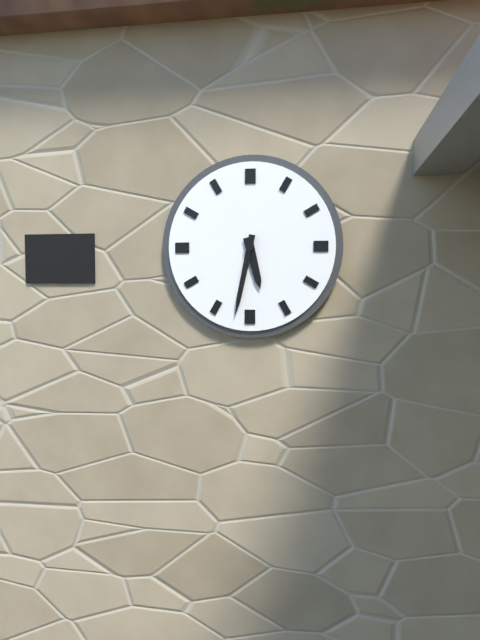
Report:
5,32
